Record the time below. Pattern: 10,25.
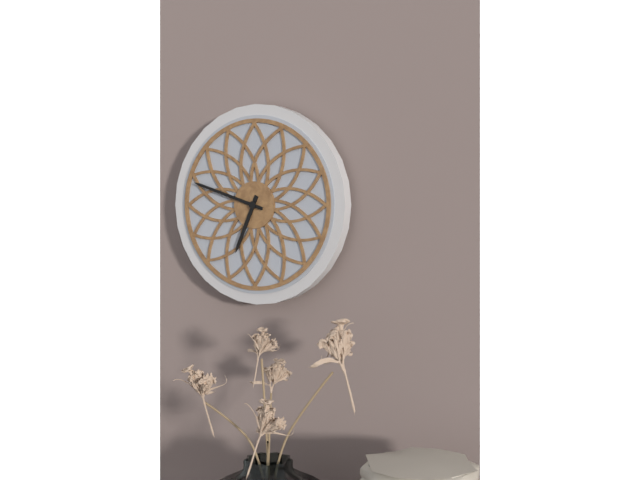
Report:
6,48
